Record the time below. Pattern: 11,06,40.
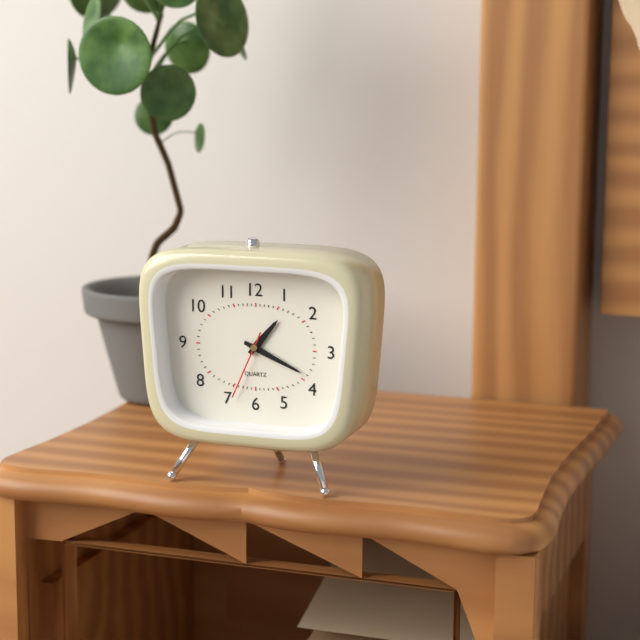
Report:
1,19,34
